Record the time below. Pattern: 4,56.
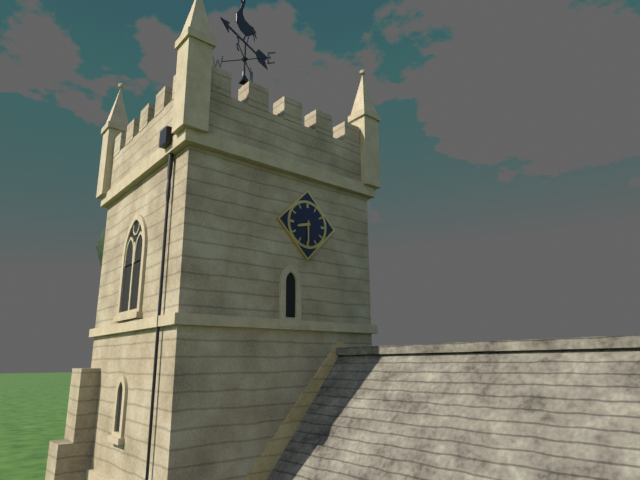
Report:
8,30
